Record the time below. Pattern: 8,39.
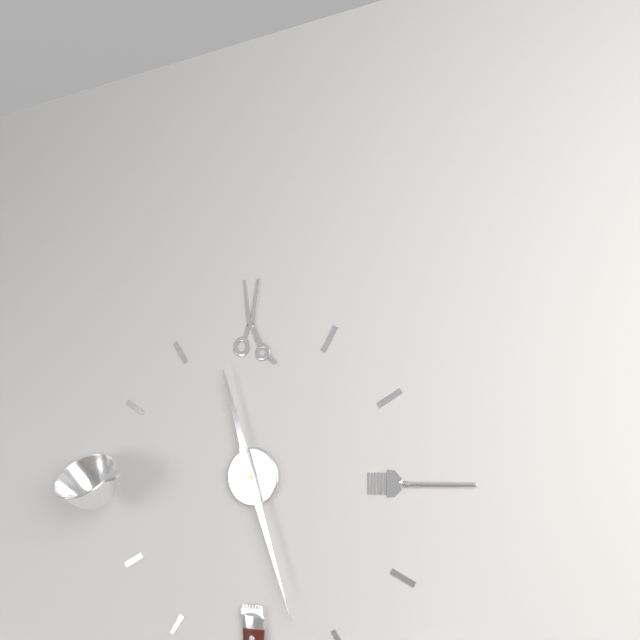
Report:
11,27
